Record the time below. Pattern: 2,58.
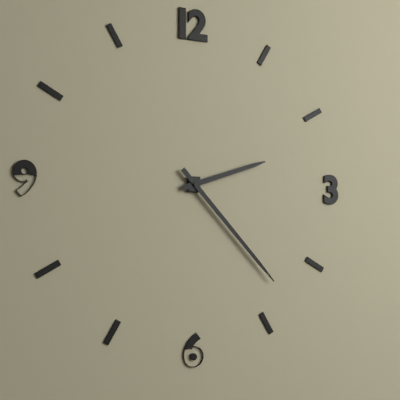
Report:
2,23
